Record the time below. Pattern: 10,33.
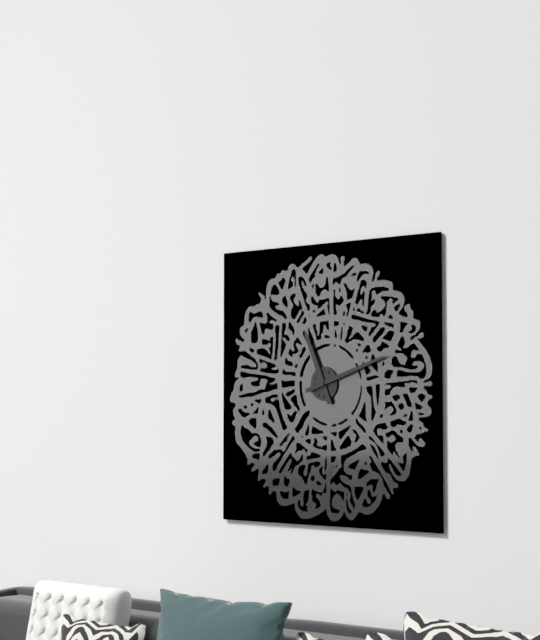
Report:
11,12
